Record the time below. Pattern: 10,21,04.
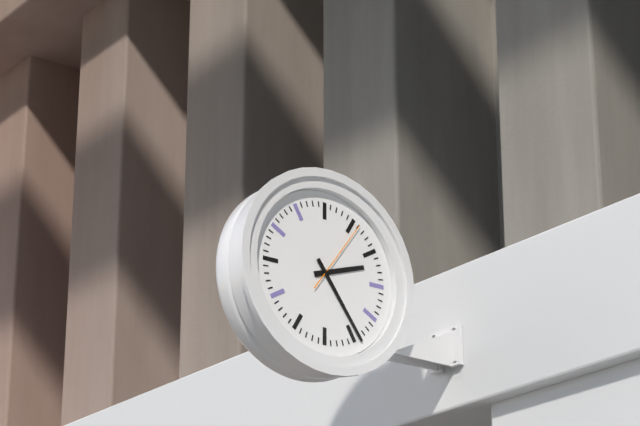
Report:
2,24,06
